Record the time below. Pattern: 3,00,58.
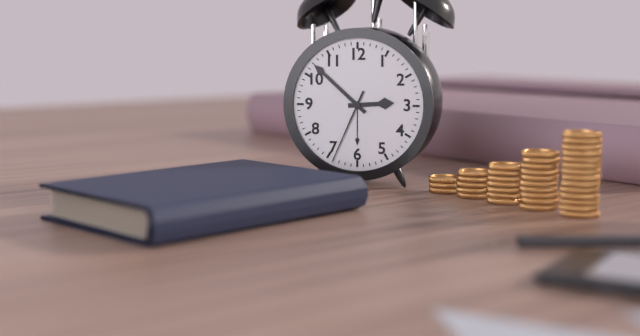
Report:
2,52,34
